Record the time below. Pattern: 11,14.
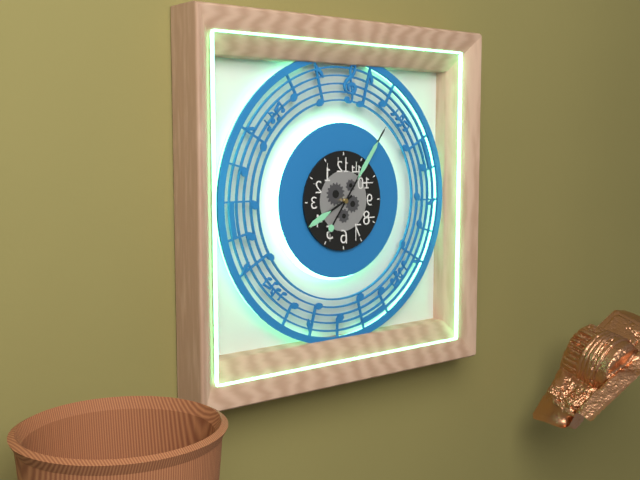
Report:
8,06
